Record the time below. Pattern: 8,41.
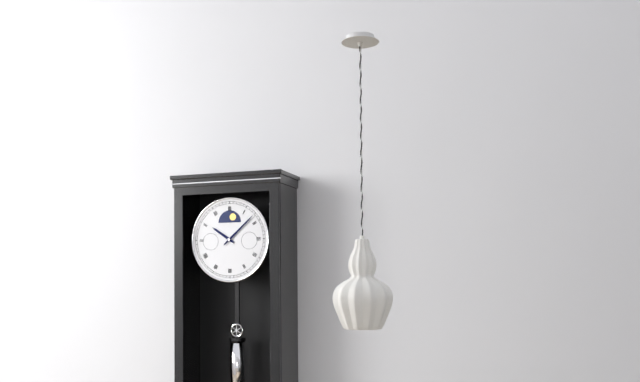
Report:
10,08
